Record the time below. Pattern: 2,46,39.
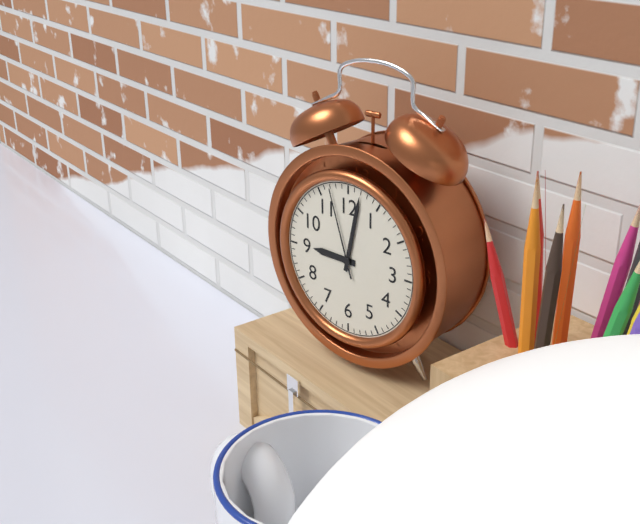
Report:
9,02,57
